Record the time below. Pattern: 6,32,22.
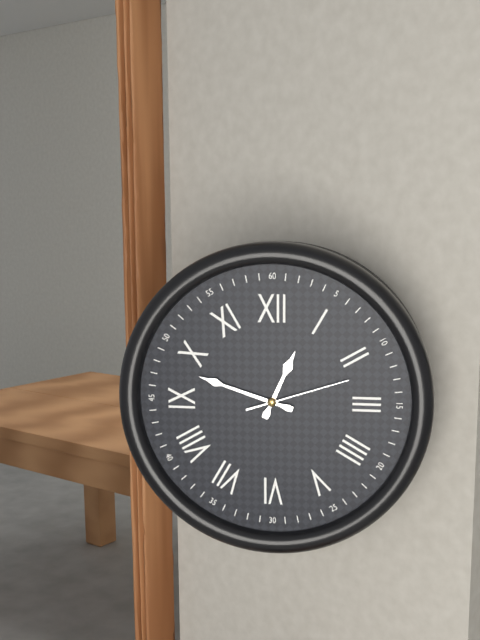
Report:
12,48,12
